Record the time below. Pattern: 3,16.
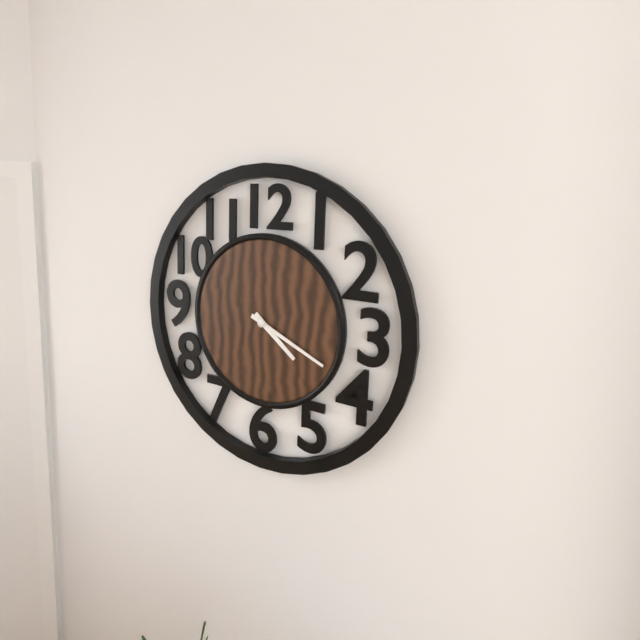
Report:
4,19
